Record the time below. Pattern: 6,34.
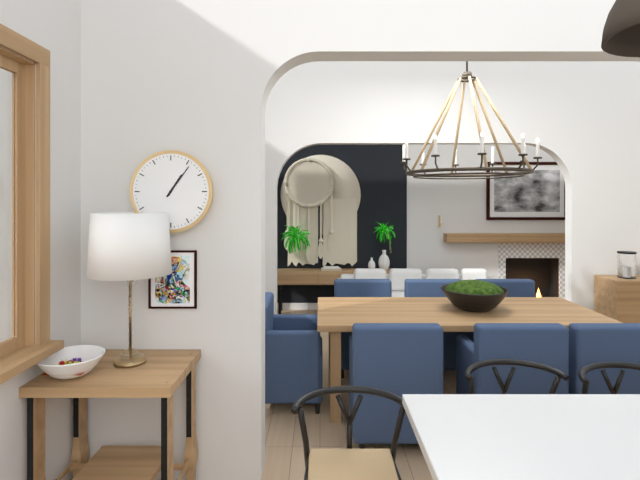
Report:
1,06
